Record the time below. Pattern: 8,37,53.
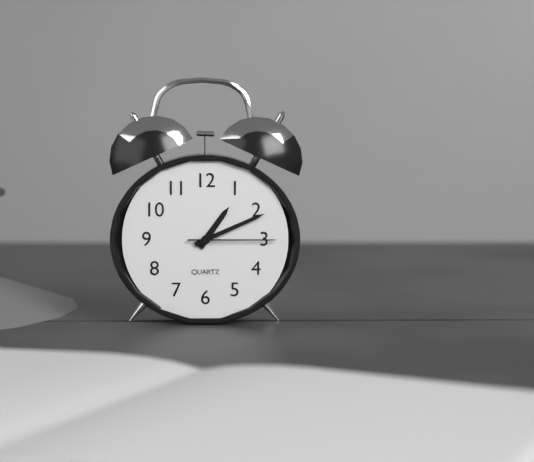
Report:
1,11,15
